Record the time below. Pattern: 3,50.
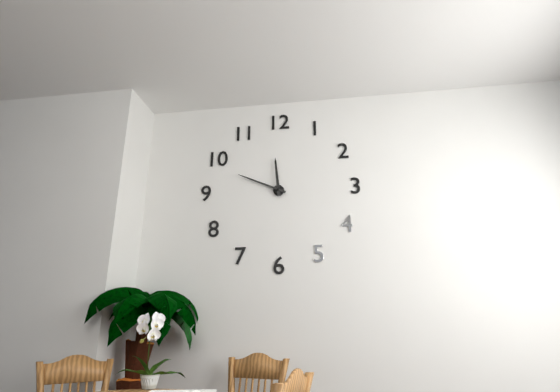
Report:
11,49
